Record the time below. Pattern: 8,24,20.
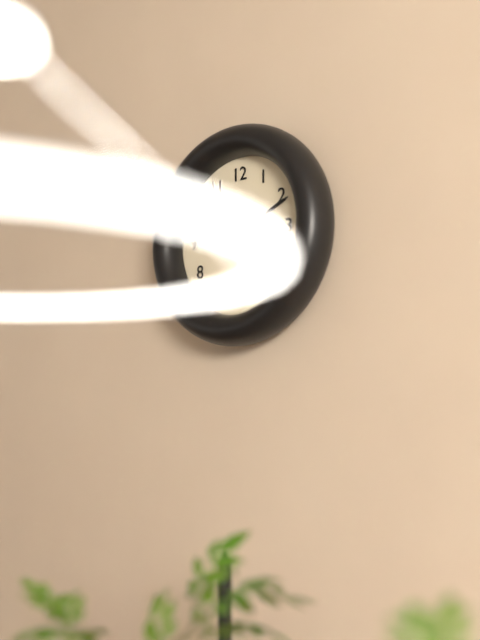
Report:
9,11,24
